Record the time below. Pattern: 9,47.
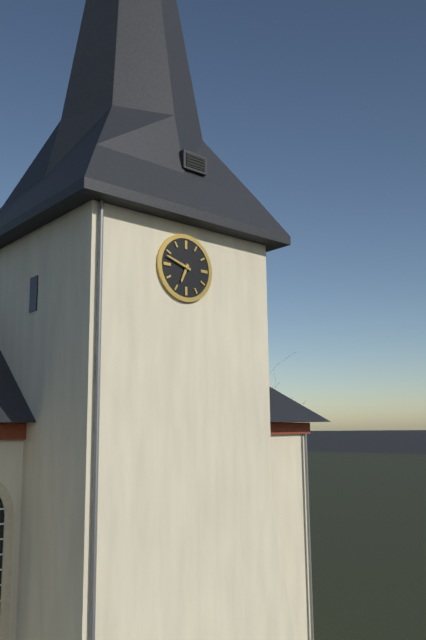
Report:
6,48
